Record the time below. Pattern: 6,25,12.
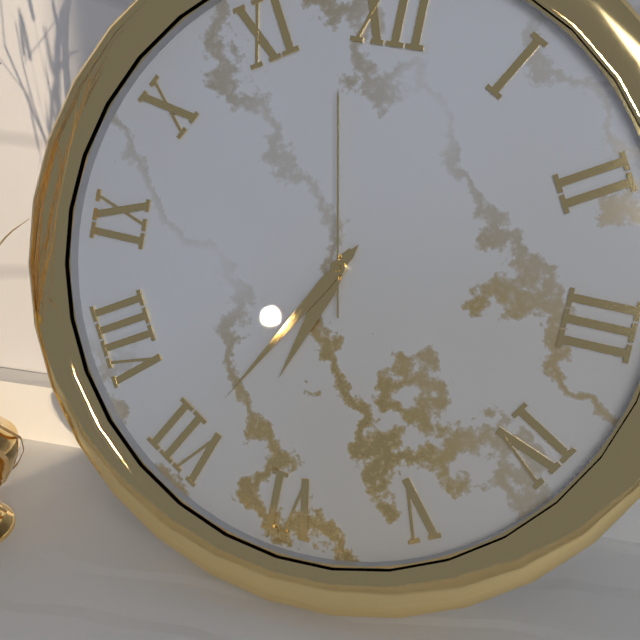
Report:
6,35,58
